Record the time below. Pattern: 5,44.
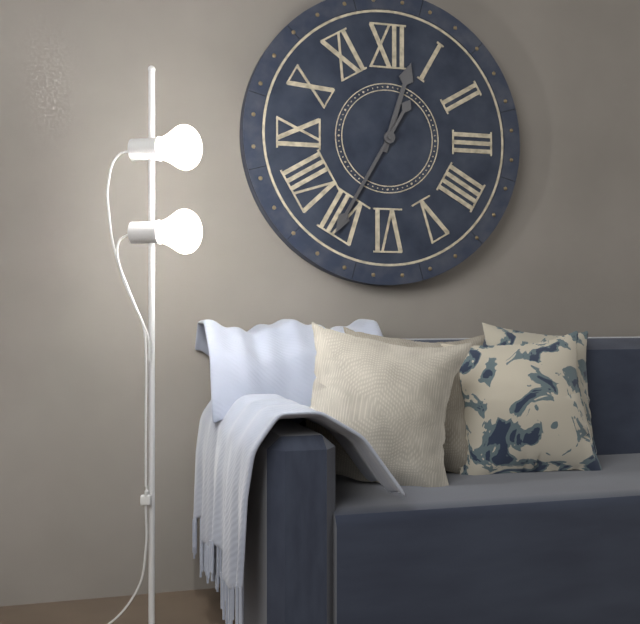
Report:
12,35
